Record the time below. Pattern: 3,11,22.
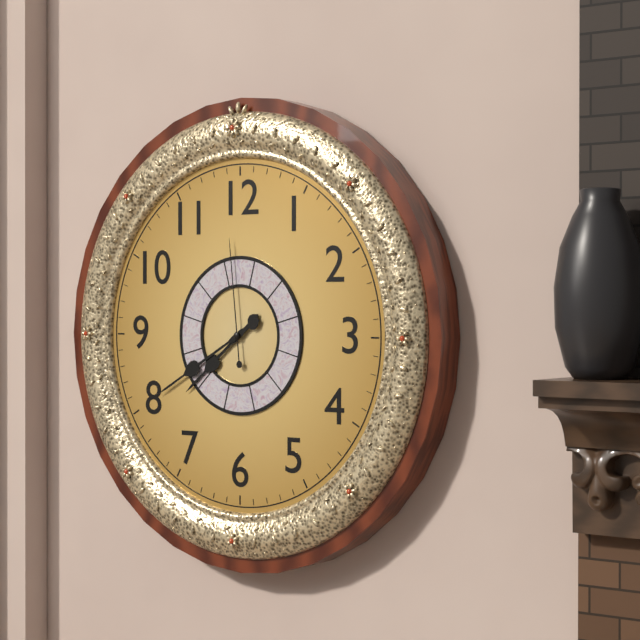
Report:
7,40,59
